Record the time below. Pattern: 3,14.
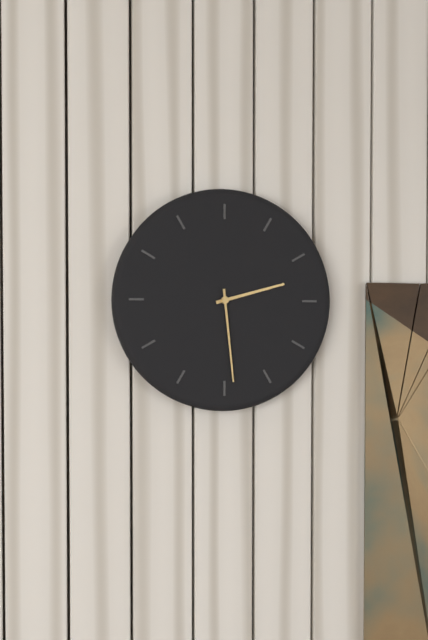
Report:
2,29
